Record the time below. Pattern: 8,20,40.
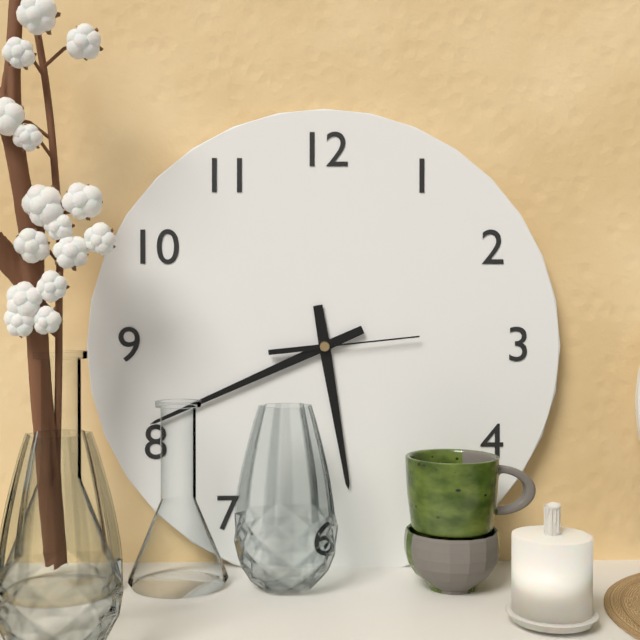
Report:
5,41,14
